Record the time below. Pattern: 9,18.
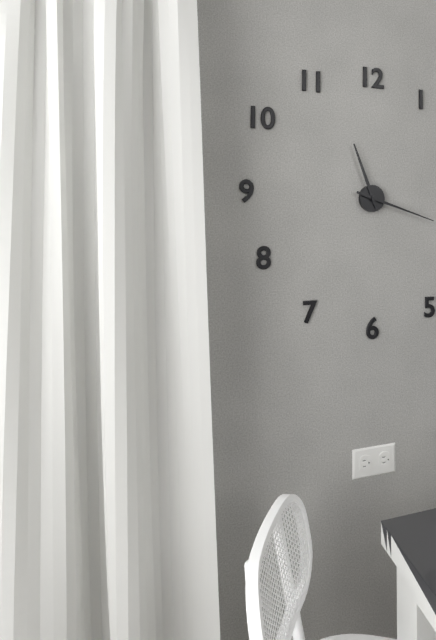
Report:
11,18
